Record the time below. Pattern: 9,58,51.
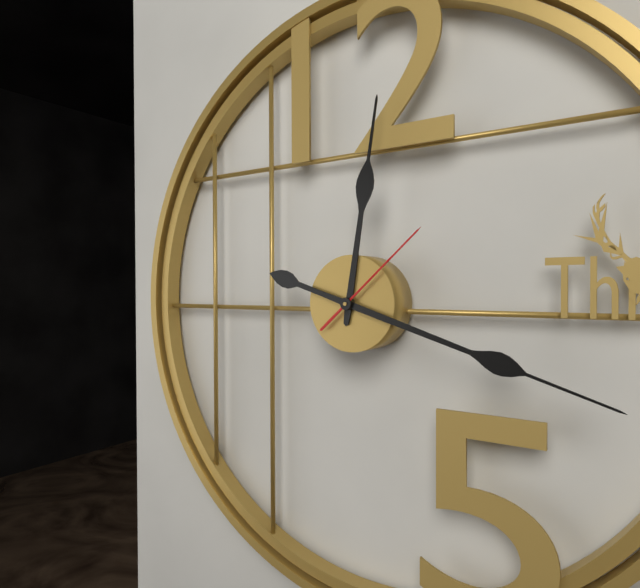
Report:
12,18,08
